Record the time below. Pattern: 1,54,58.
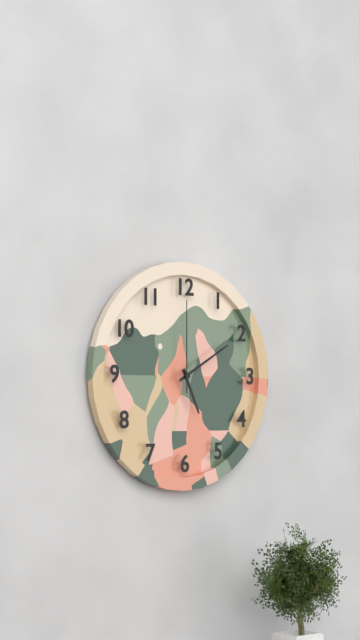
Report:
5,10,00
